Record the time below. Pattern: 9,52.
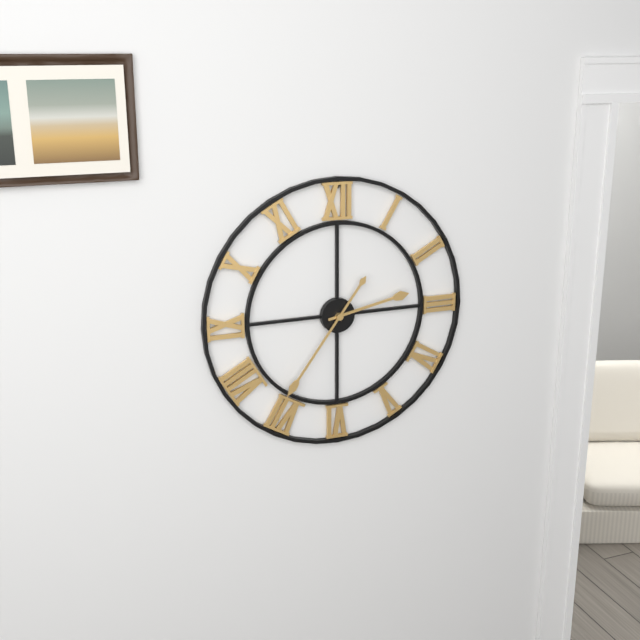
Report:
2,36
